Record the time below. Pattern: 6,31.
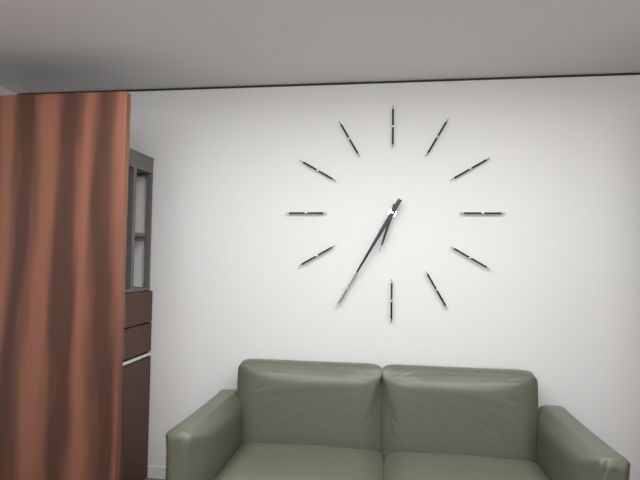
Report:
6,35
